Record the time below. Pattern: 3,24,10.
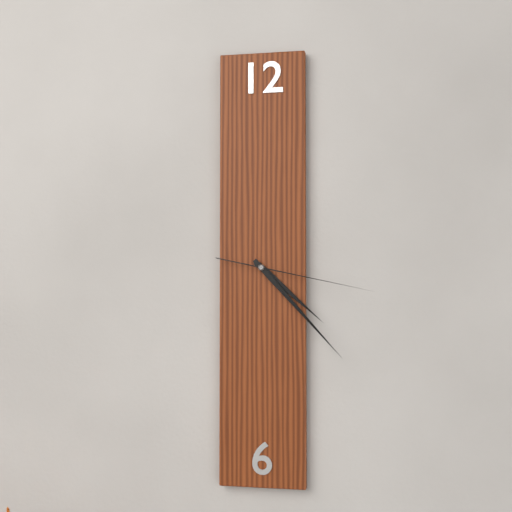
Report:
4,23,17
